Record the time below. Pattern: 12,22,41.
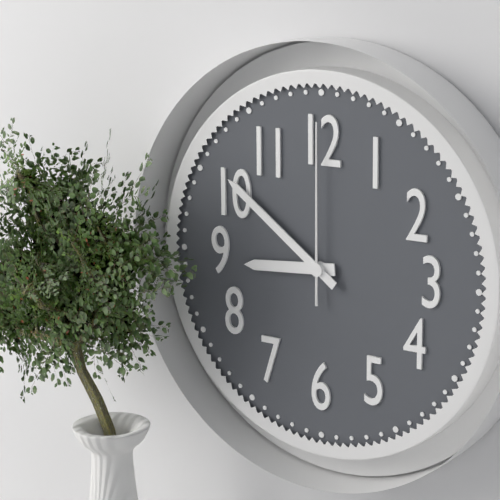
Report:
8,51,00
